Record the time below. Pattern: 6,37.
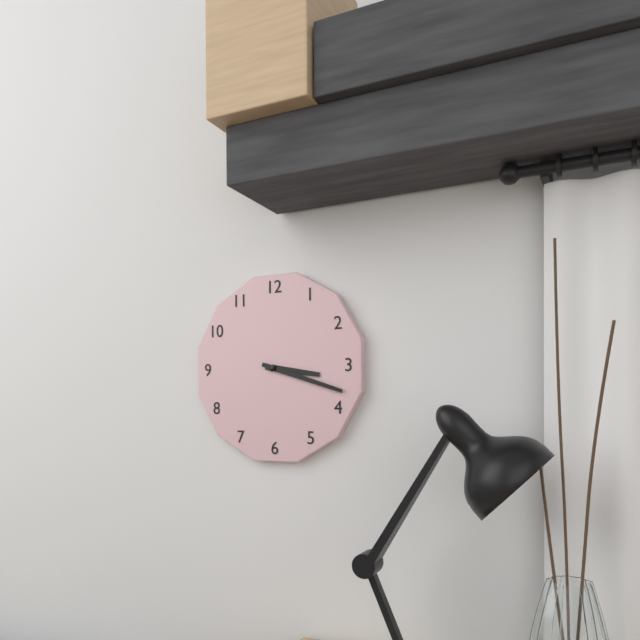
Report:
3,18
